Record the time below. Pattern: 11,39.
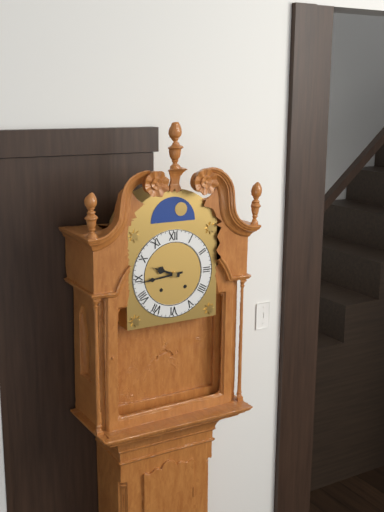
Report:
9,44
